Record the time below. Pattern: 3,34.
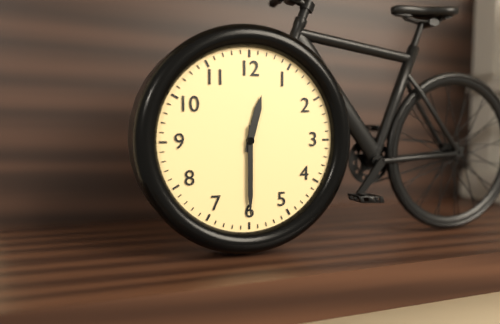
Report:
12,30
